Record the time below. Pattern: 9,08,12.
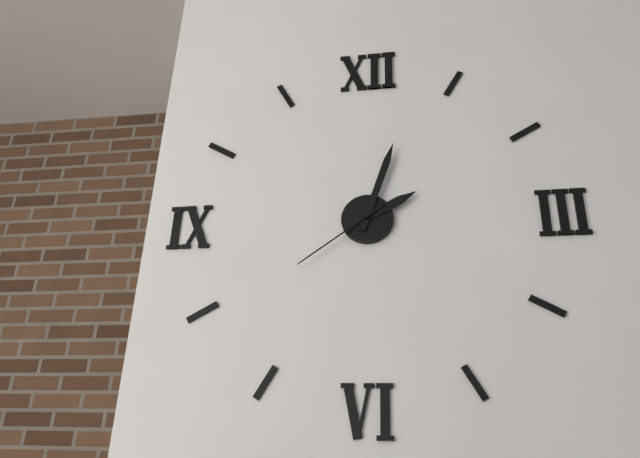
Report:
2,03,39
